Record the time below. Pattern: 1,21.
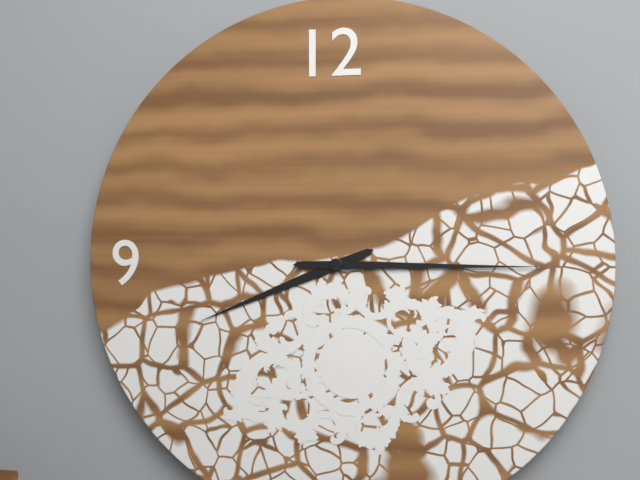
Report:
8,15
